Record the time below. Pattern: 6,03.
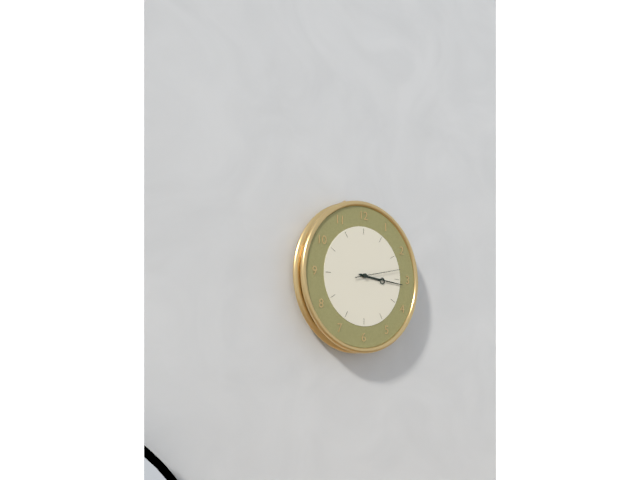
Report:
3,16
